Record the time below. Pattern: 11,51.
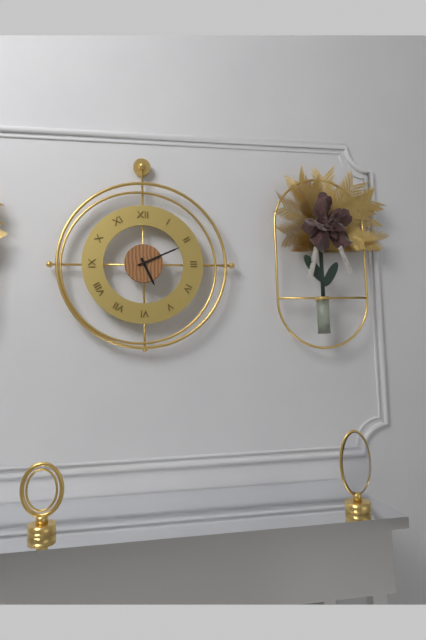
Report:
5,11
